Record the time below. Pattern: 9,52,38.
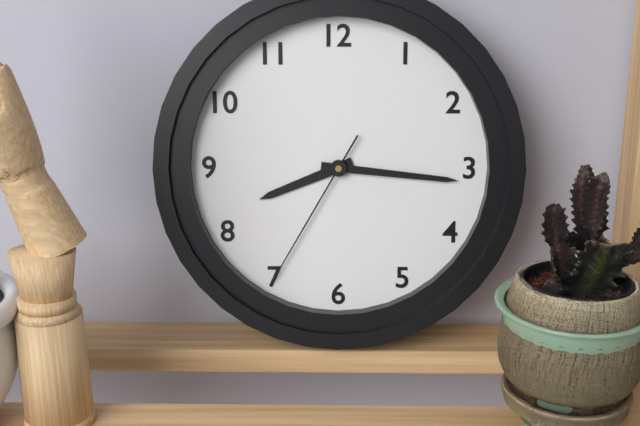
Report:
8,16,35
